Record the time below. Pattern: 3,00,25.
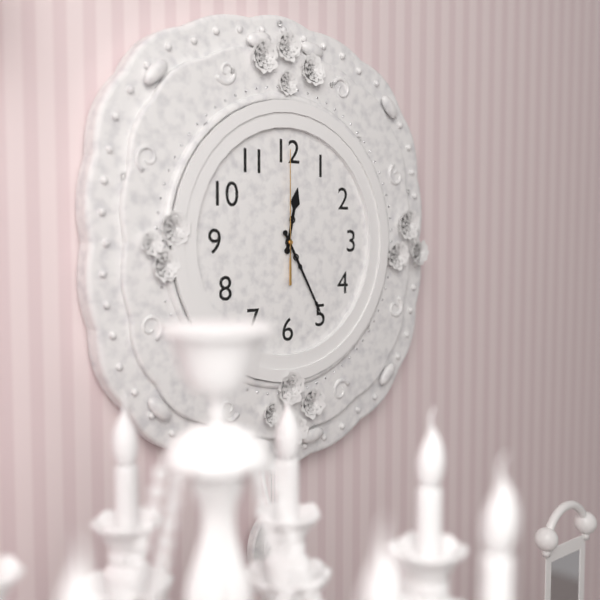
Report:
12,25,00
